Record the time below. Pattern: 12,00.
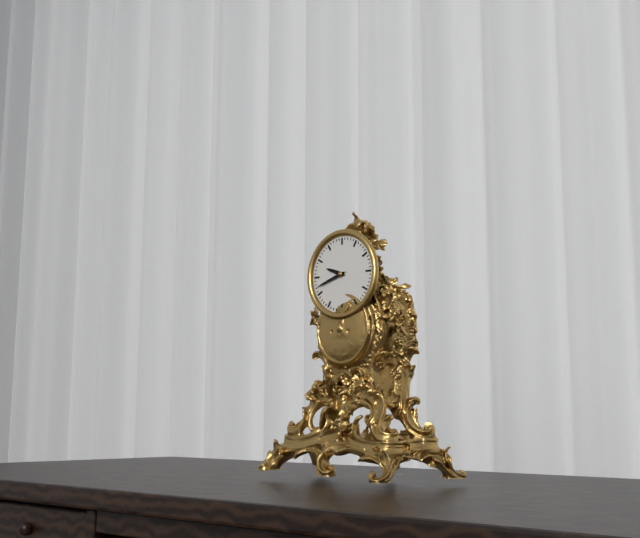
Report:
9,42
